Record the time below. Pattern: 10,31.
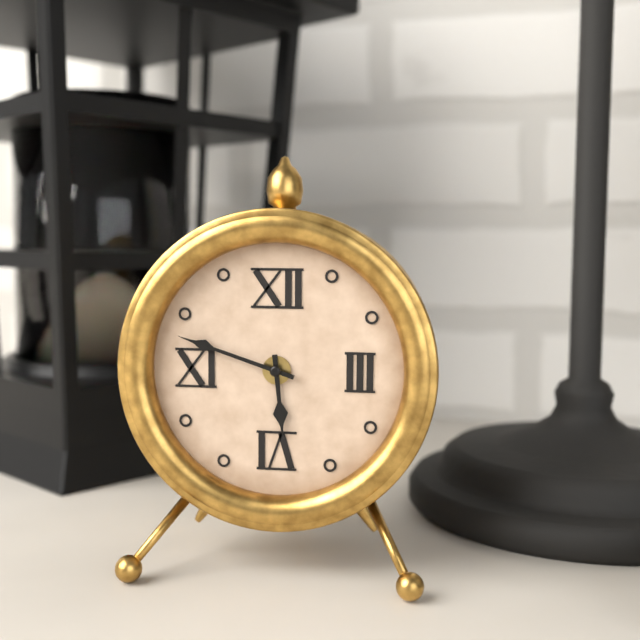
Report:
5,48
